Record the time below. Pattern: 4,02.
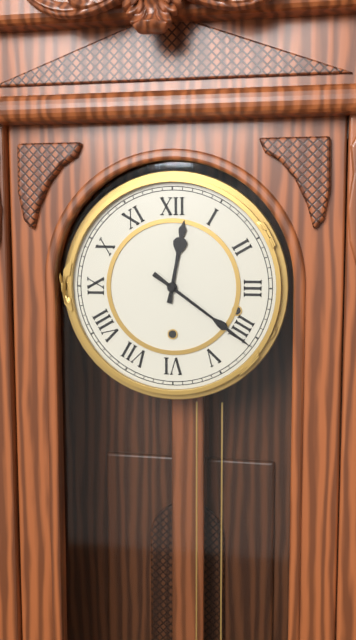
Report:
12,21
